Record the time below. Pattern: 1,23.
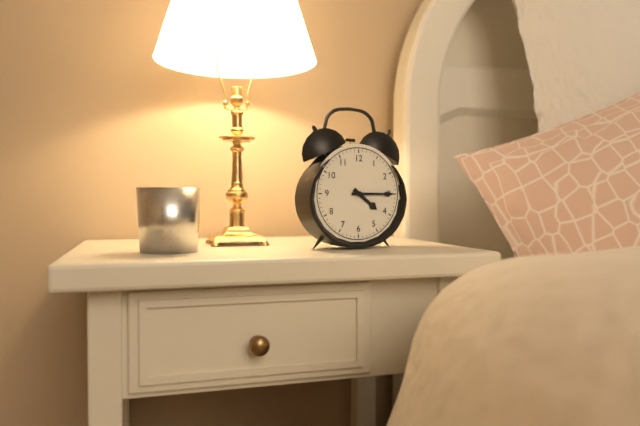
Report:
4,15
